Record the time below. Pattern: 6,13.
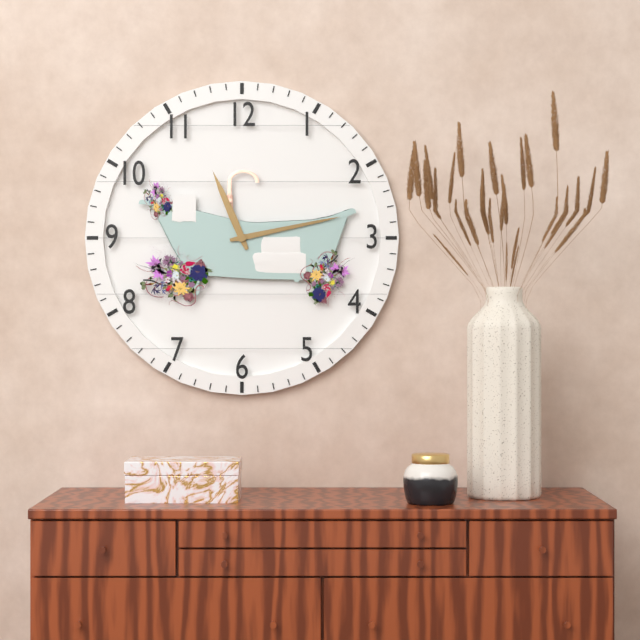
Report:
11,13
